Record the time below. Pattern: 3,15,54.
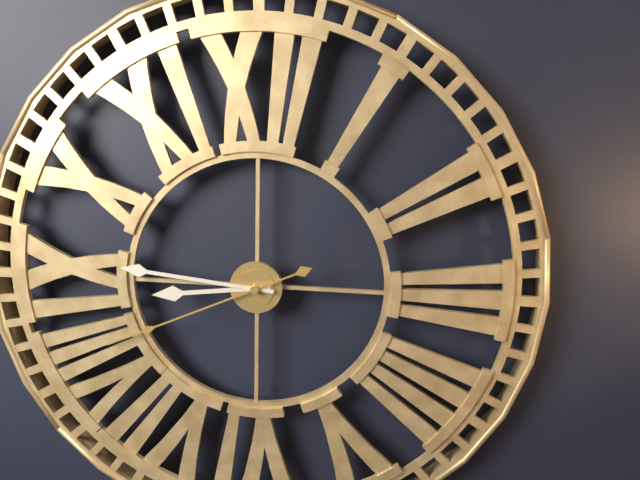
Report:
8,46,41
